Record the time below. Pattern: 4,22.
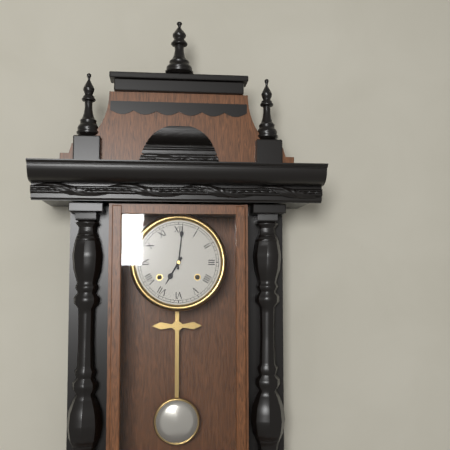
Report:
7,01
